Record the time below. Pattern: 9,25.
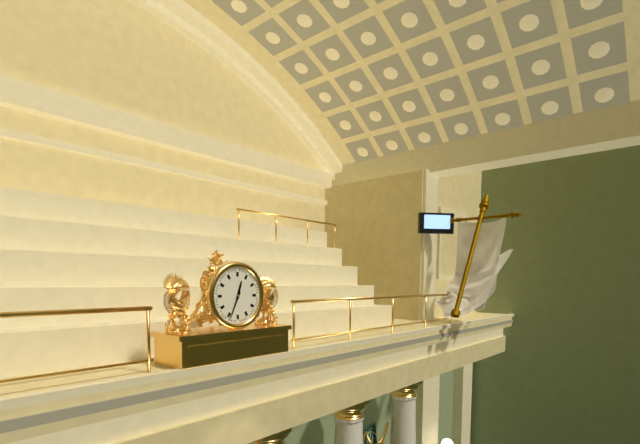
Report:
12,34
